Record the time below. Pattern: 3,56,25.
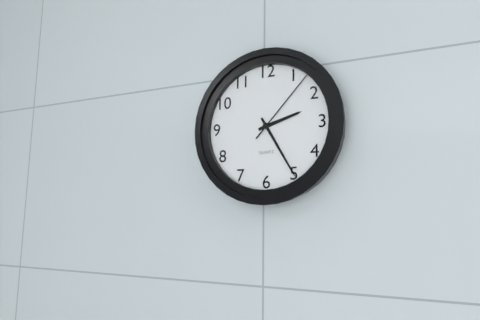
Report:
2,25,07
